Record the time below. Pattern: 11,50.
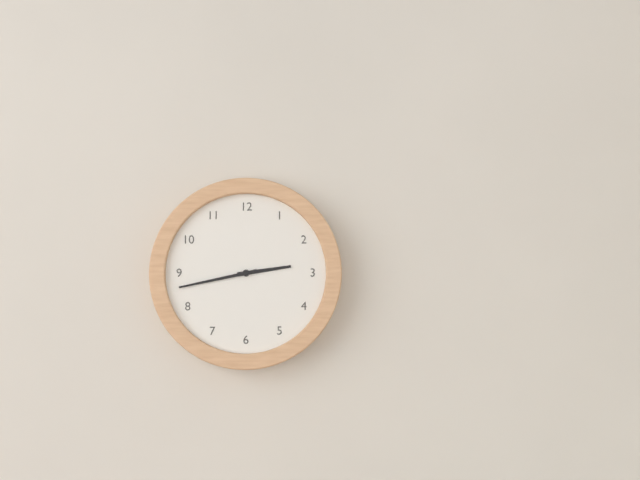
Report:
2,43
